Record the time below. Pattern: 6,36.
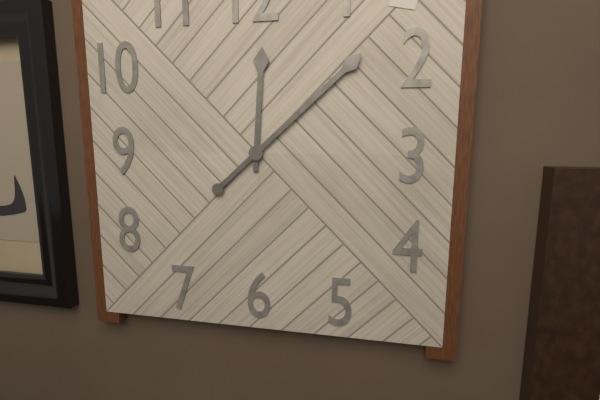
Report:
12,08
